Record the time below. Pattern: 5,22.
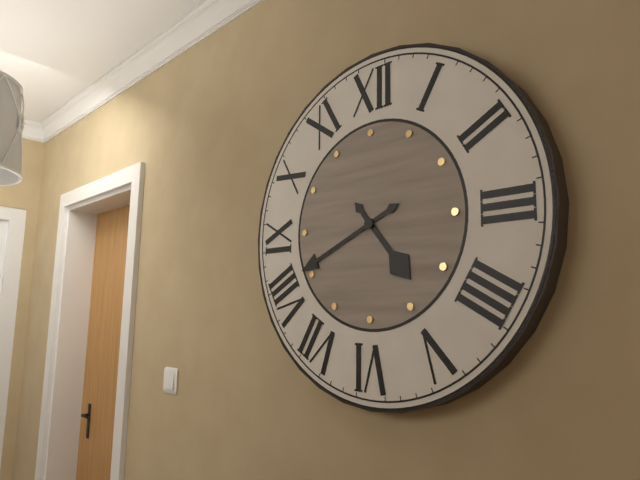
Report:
4,41
